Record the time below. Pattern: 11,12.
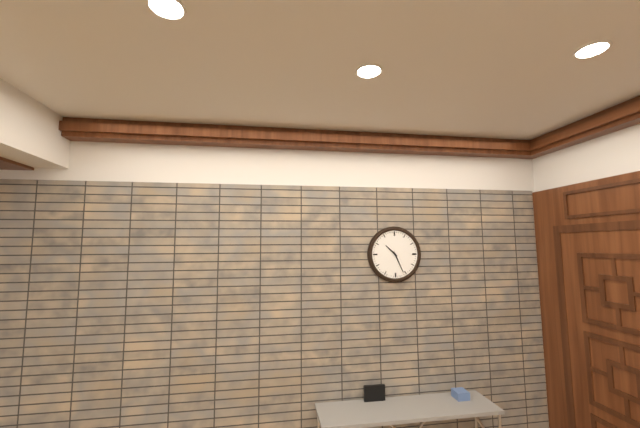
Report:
10,26
